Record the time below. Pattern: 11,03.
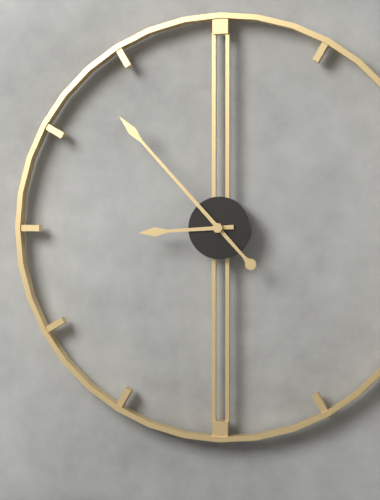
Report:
8,53
